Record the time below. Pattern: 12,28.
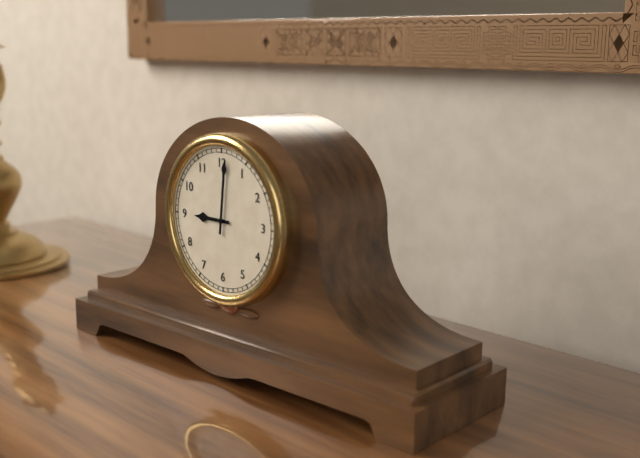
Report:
9,01
